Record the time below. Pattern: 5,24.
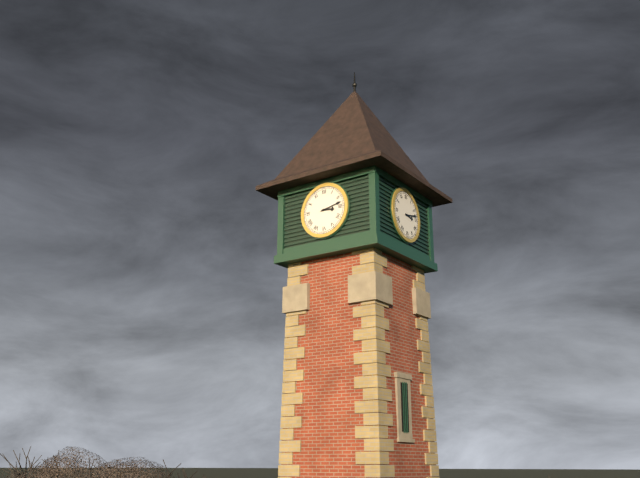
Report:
3,13
